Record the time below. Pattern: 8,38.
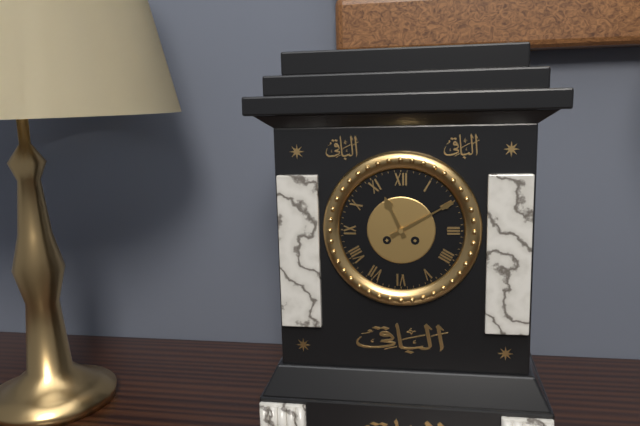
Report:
11,10
